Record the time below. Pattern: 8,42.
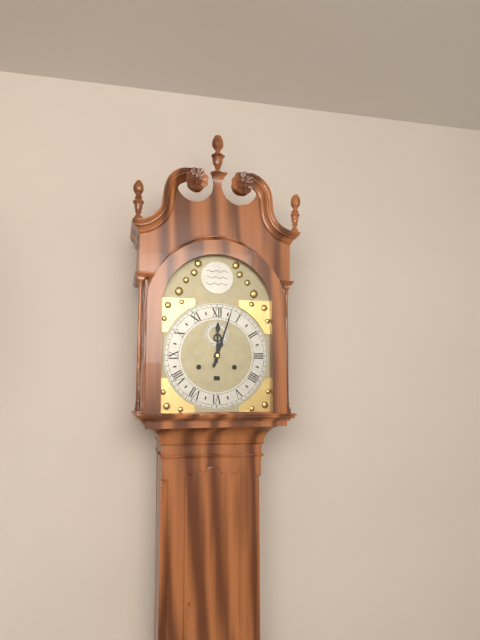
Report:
12,03
